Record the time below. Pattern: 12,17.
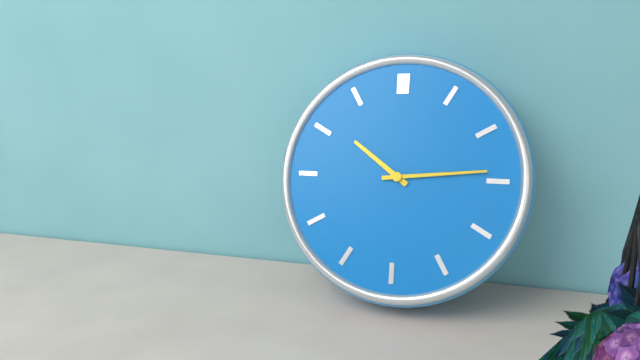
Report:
10,14
